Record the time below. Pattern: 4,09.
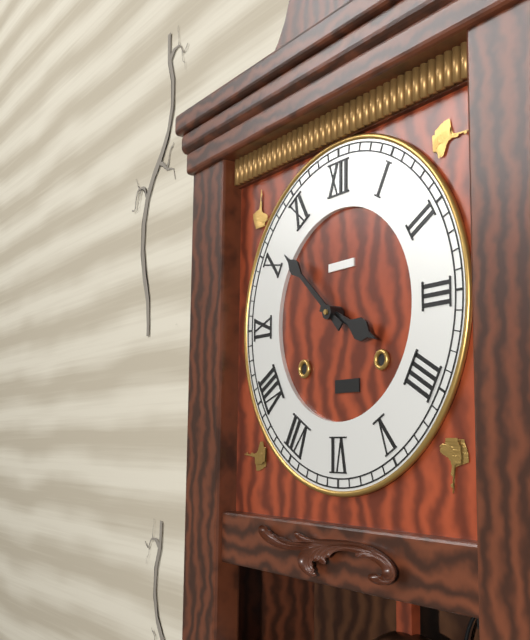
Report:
3,52
